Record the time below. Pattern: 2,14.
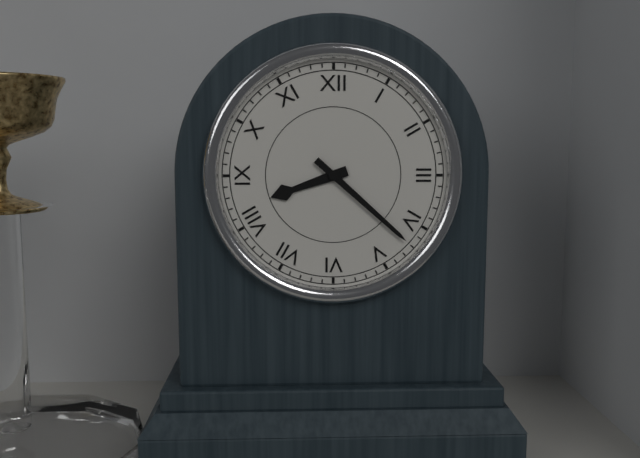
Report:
8,22
